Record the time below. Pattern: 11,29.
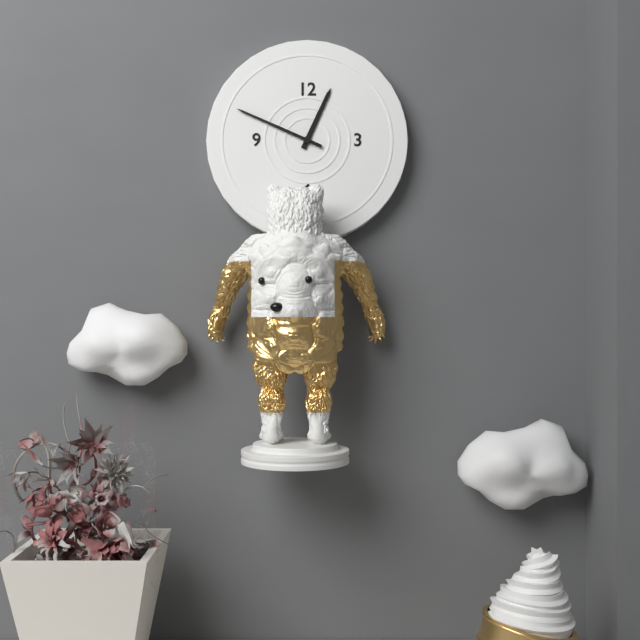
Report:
12,49
